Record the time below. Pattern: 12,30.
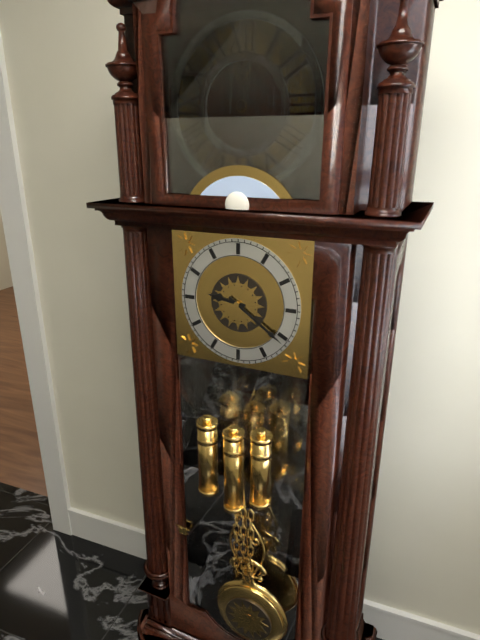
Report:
9,21
